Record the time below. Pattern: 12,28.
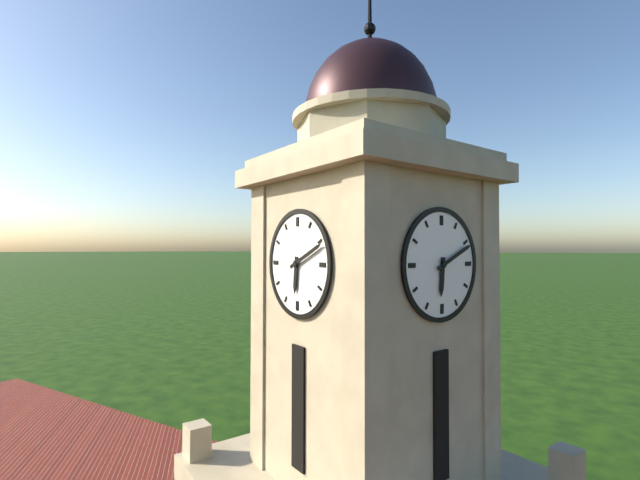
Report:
6,11
